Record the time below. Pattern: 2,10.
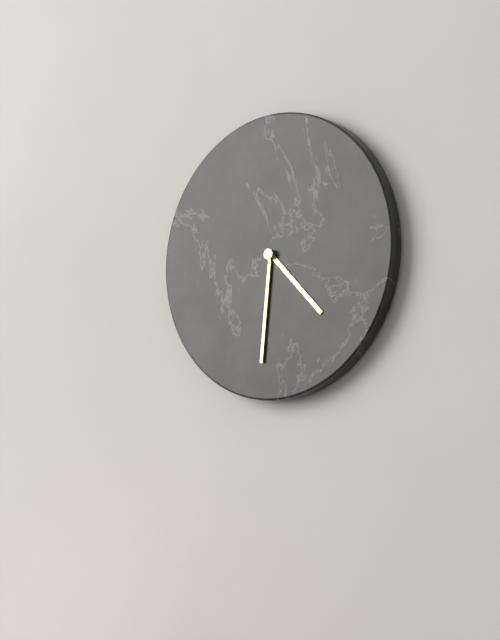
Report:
4,31
